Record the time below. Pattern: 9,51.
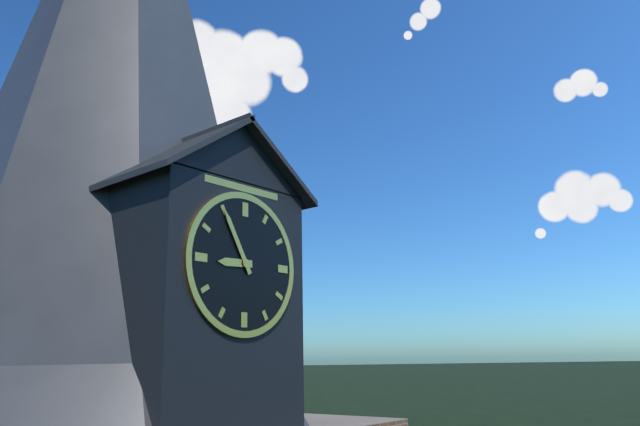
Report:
8,55
